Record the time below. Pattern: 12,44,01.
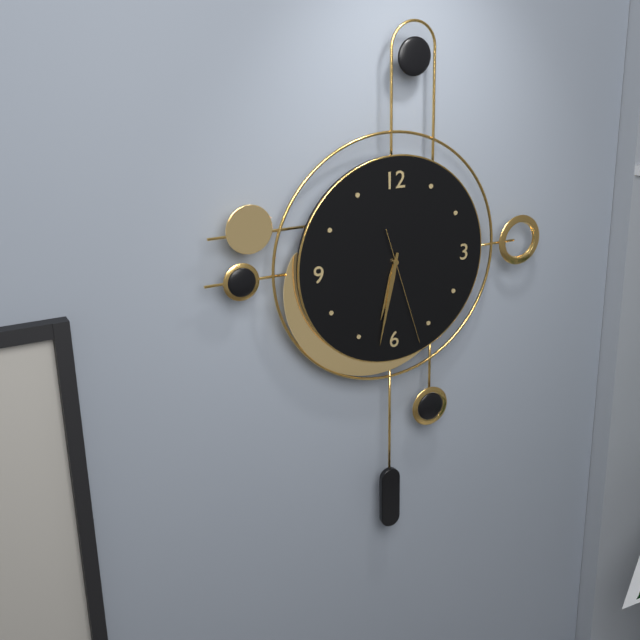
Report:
6,32,27
